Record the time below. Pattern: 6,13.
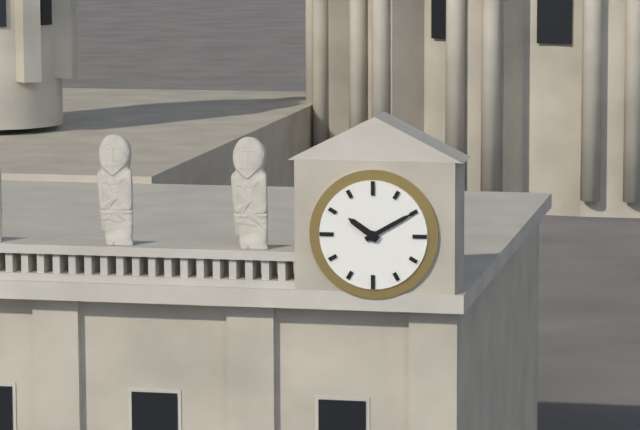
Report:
10,10
